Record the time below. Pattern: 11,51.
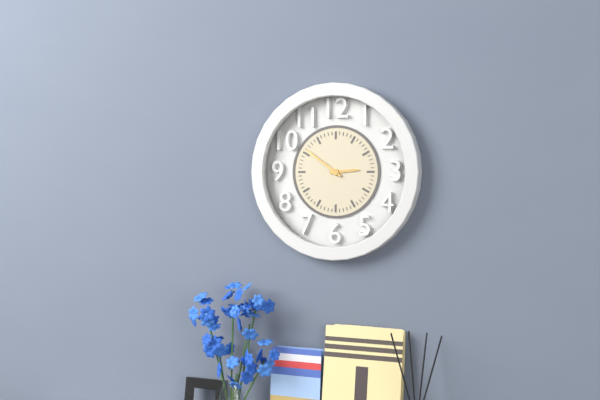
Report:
2,51
